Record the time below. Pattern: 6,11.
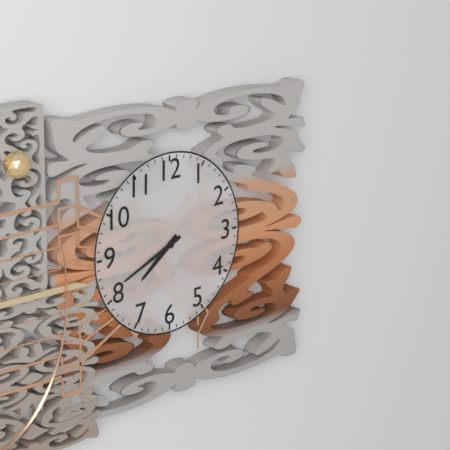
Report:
7,41
